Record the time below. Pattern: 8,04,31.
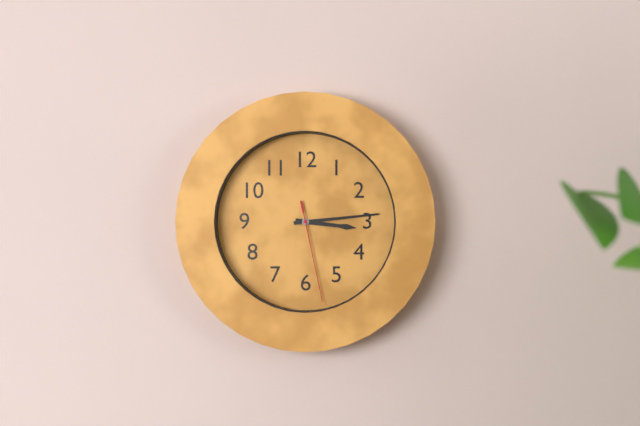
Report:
3,14,28
